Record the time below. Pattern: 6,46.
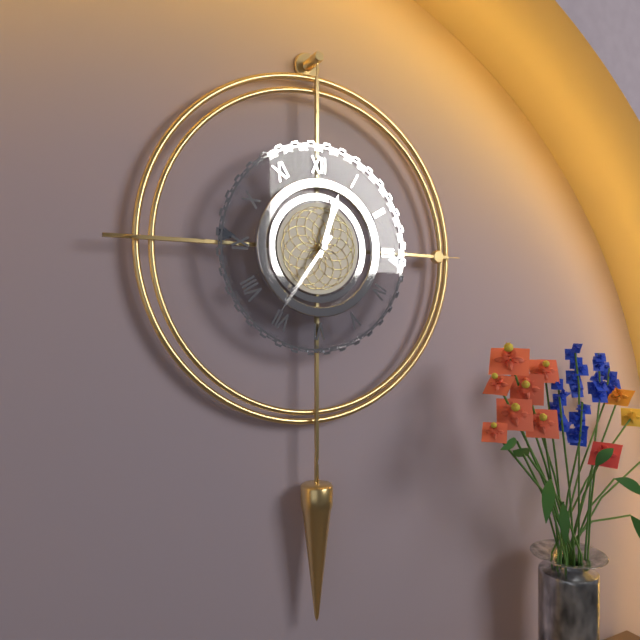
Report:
12,36
